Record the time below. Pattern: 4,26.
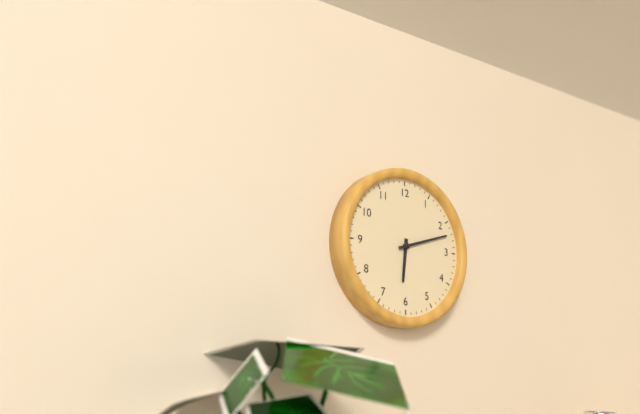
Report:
6,12
